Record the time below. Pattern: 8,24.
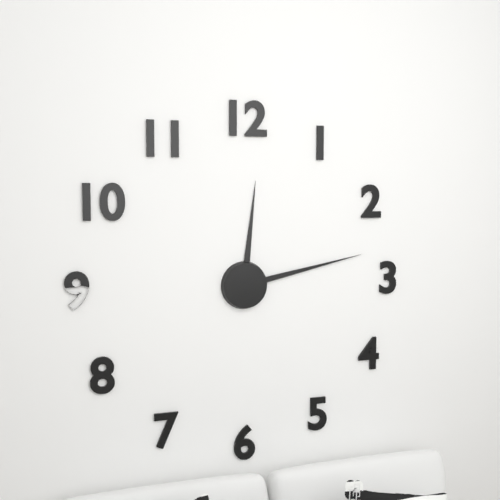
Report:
12,13
